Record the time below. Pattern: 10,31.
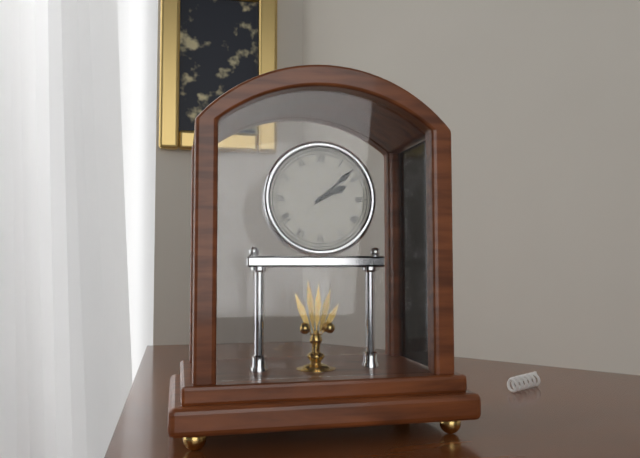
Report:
2,08
